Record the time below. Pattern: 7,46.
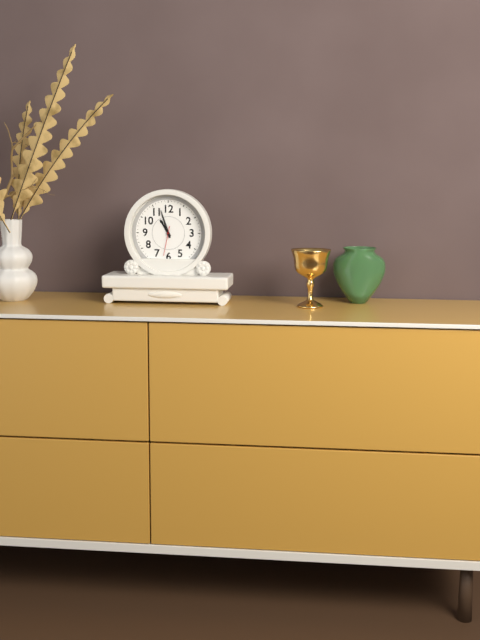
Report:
10,57
